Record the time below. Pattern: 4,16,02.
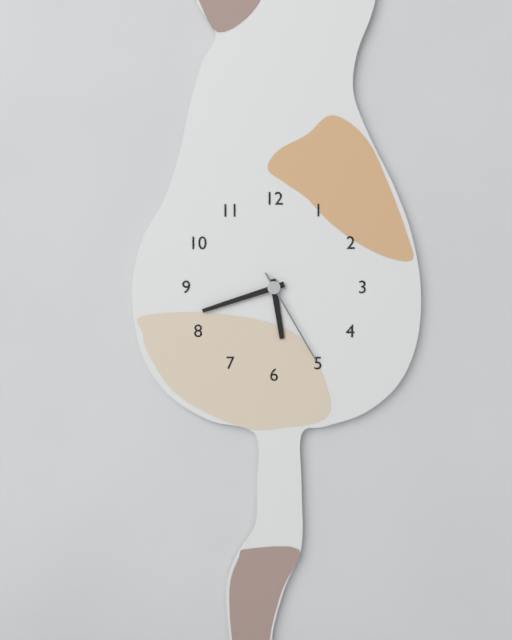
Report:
5,42,25
